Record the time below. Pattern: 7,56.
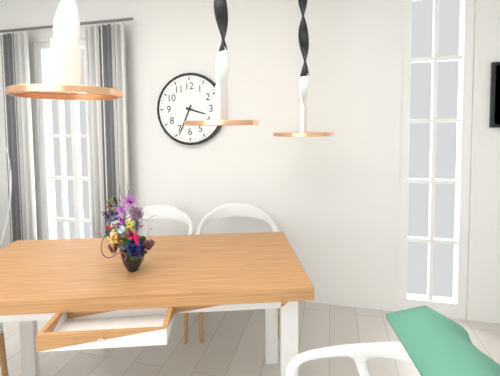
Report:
3,34
